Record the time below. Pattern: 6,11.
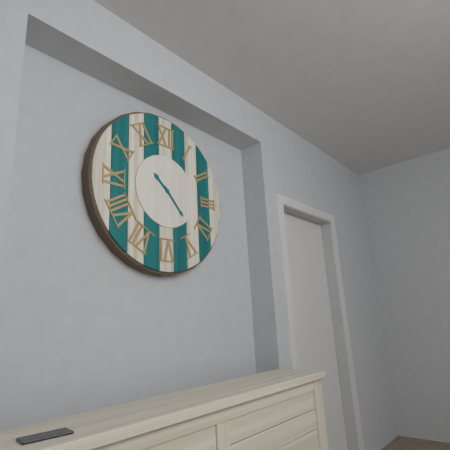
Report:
10,23
